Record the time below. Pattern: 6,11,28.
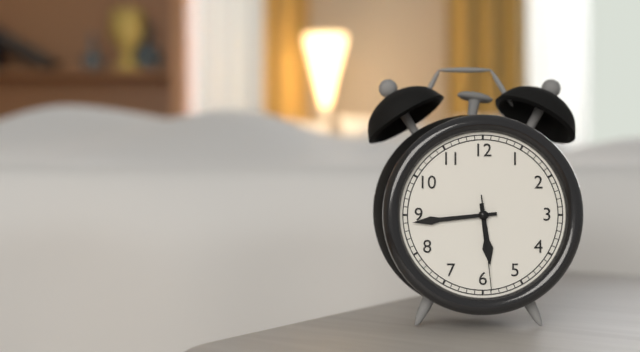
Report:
5,44,29
